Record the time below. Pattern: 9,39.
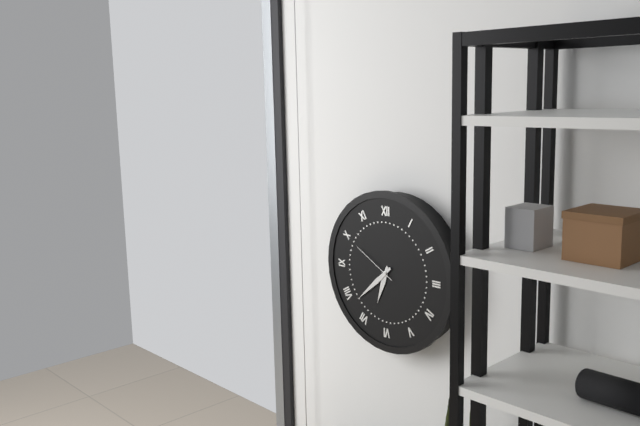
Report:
6,38
